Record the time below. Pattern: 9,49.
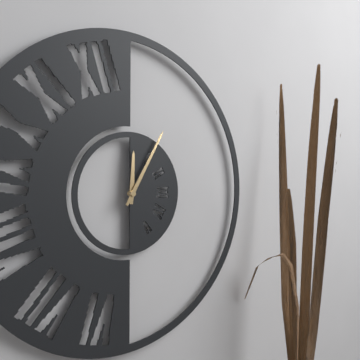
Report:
12,05
